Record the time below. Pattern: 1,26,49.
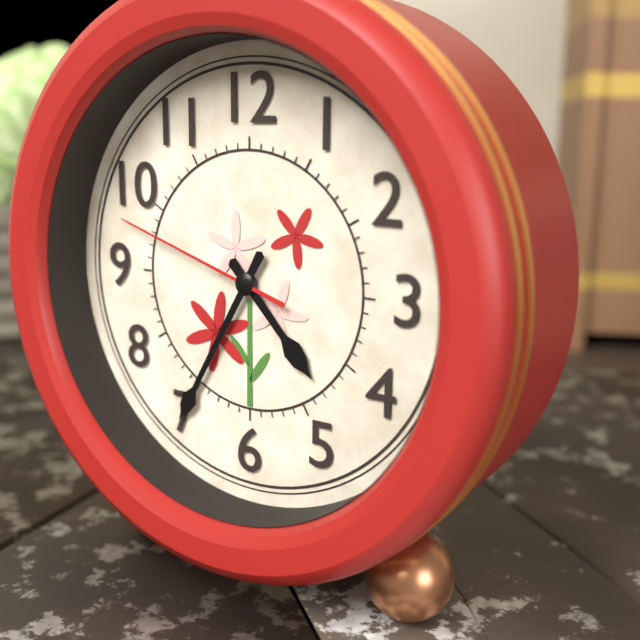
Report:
4,35,48
